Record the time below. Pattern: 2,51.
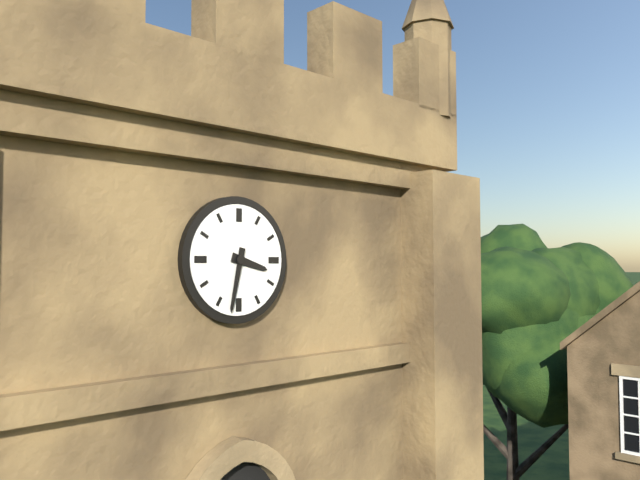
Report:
3,32
